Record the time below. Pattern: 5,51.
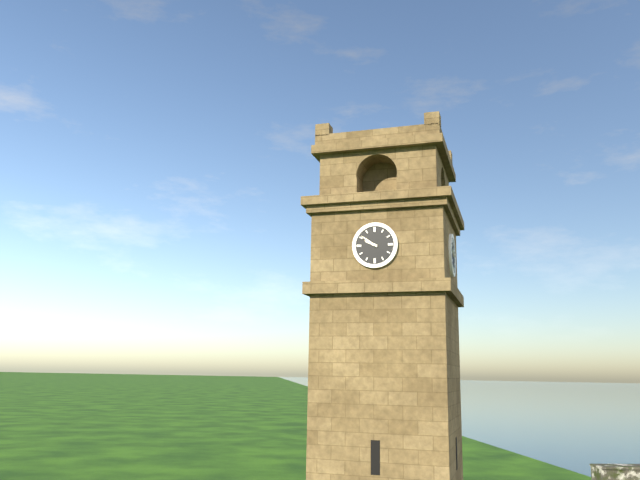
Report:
9,51
